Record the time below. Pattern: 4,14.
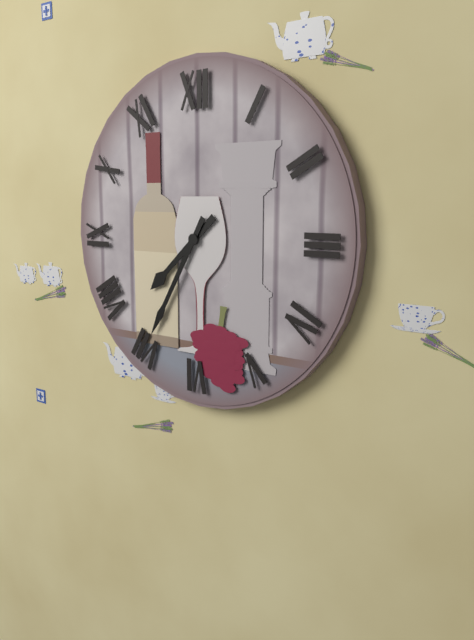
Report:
7,35
